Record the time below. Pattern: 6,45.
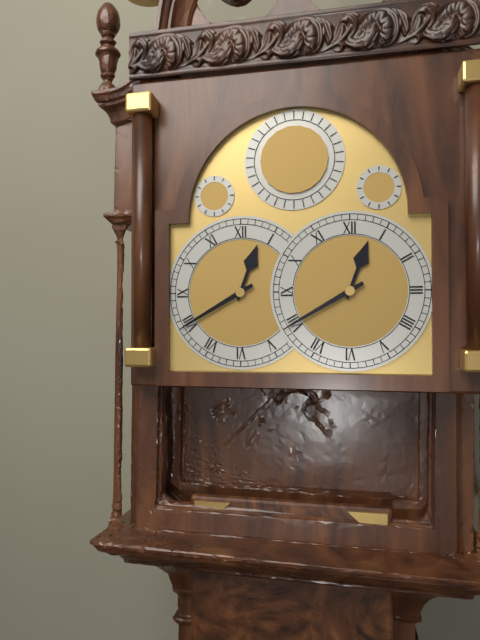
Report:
12,40
